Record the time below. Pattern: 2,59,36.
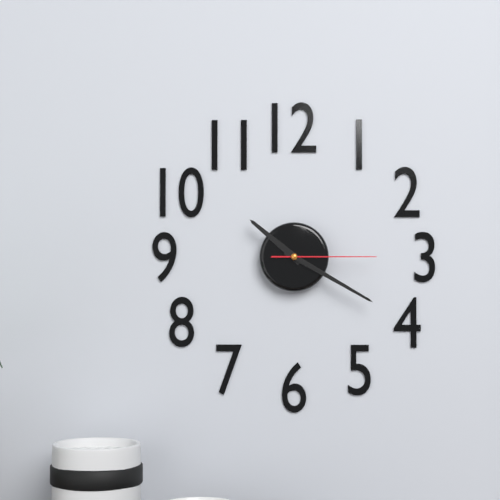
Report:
10,20,15
